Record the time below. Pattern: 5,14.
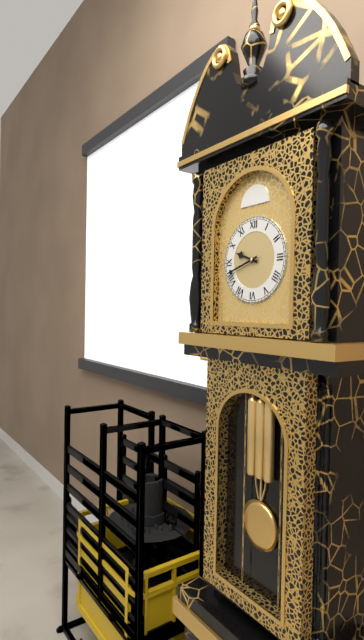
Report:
9,42
